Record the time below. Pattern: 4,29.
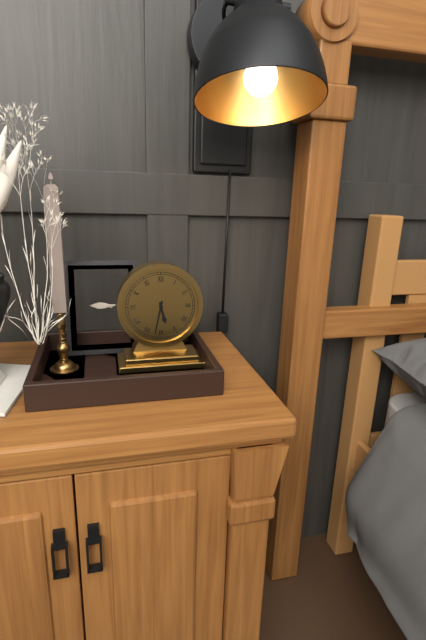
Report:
5,32
